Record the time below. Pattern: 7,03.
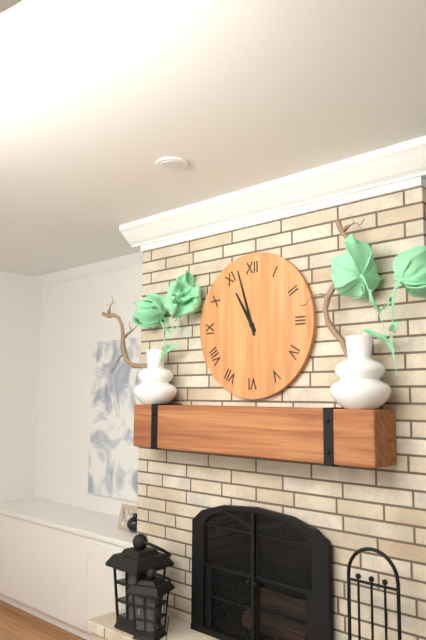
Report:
10,57
